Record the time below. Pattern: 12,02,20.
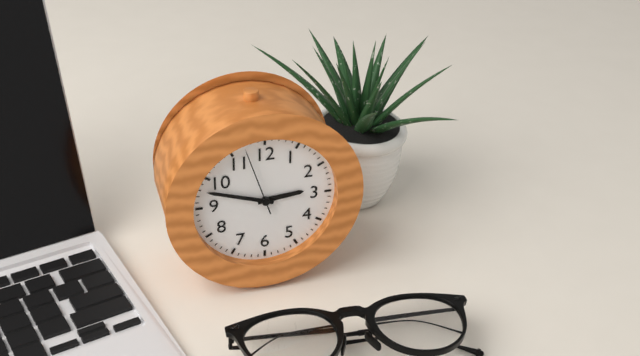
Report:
2,48,57
